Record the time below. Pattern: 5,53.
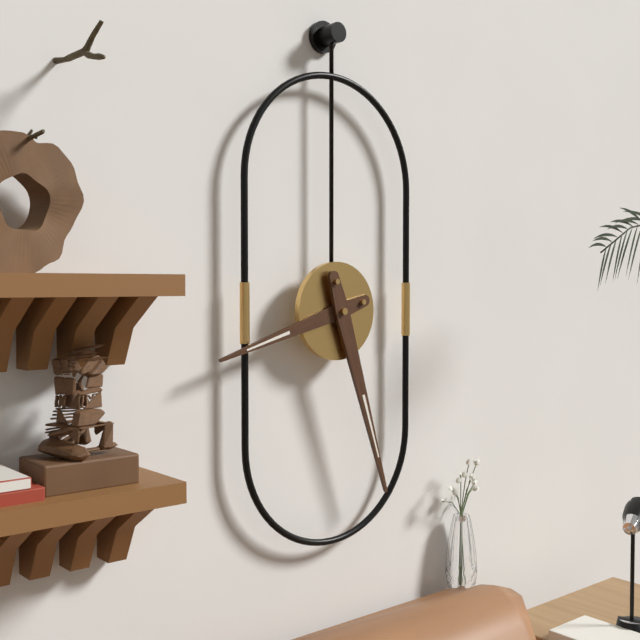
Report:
8,27
